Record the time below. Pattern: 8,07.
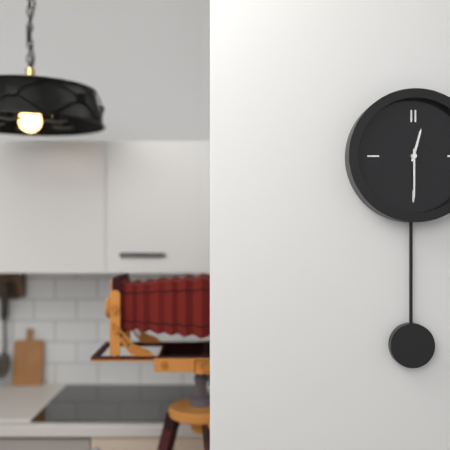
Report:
12,30
